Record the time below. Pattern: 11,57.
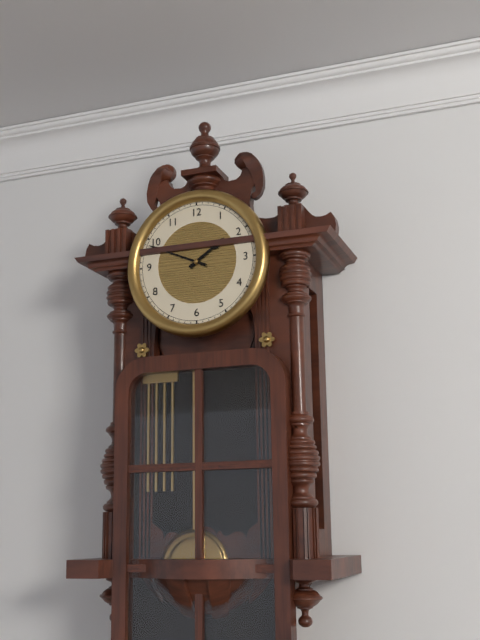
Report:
1,49
